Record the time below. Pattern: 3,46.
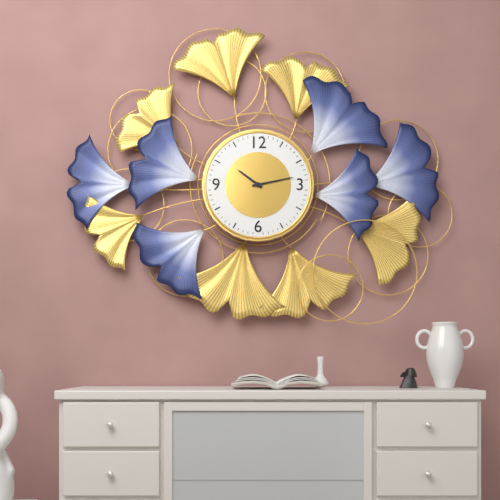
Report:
10,13
